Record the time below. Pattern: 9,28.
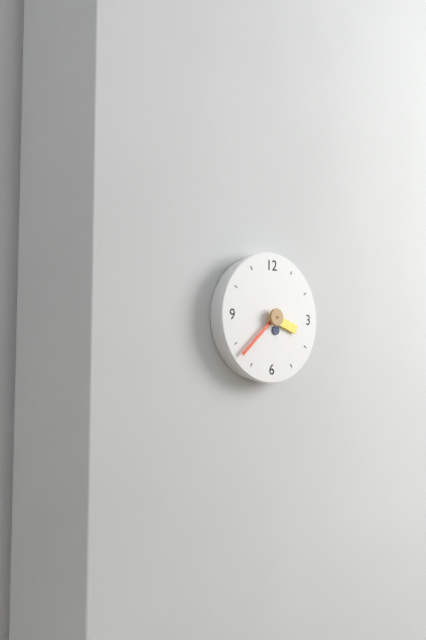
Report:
3,38
